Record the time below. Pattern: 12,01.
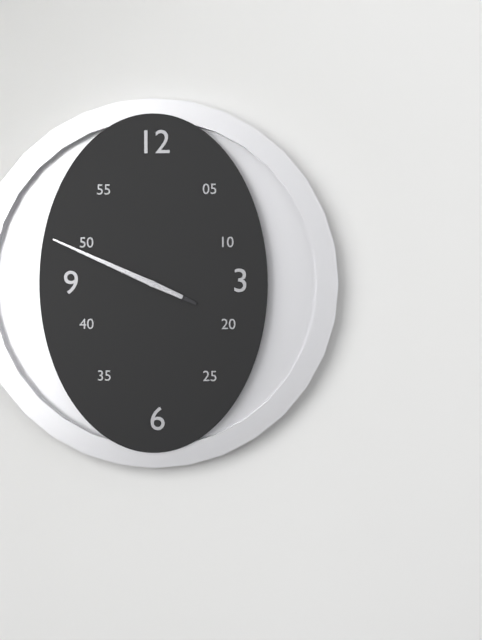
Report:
3,49
